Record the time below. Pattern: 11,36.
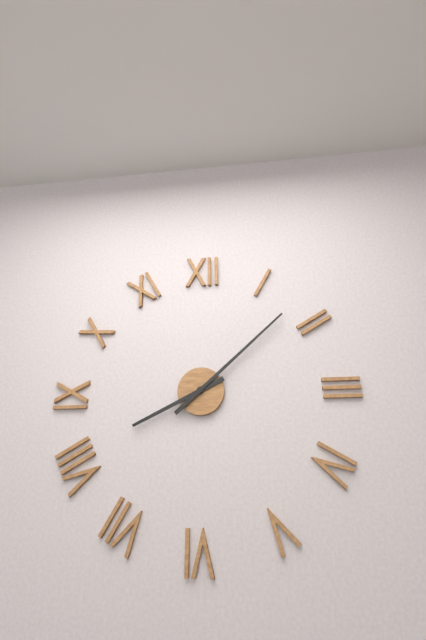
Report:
8,08
